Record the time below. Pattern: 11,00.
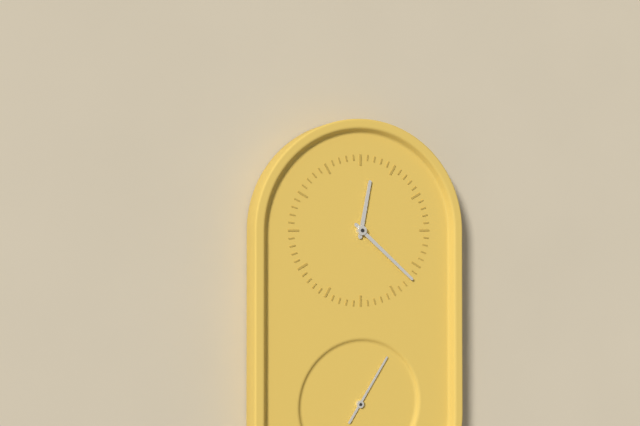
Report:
12,22
